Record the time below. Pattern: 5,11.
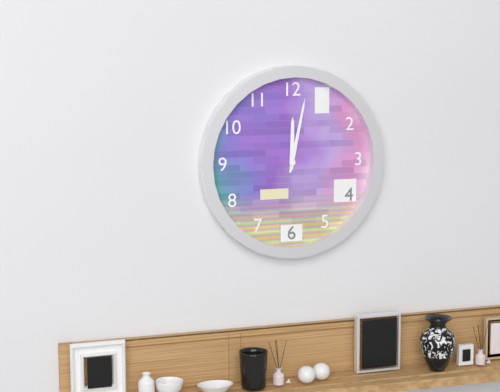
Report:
12,02
